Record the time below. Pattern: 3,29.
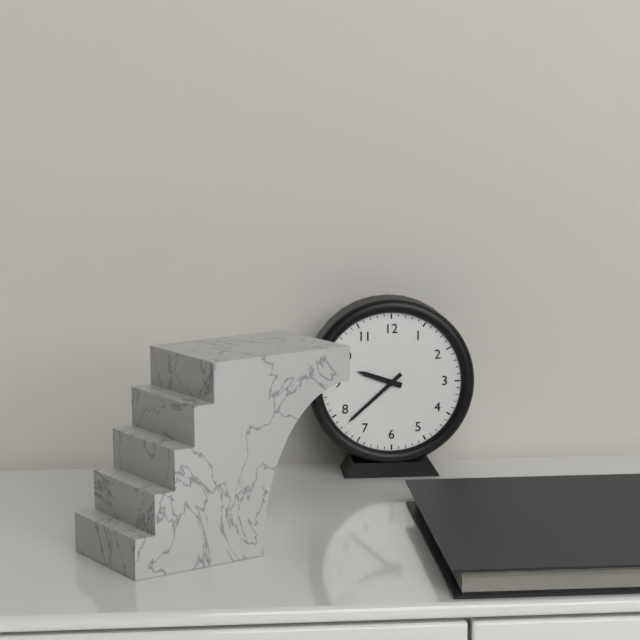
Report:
9,38
